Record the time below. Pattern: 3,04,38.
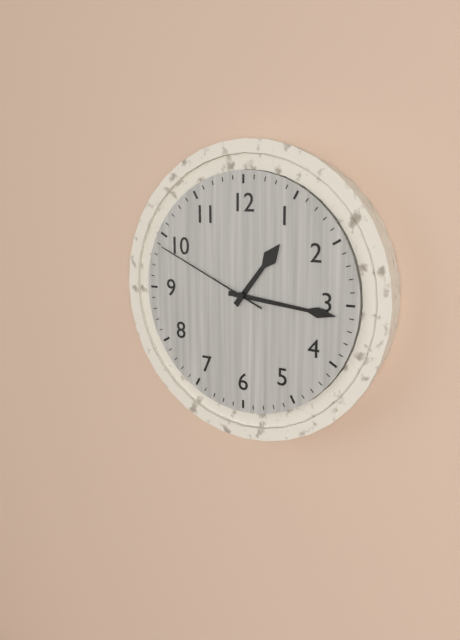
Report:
1,16,49
